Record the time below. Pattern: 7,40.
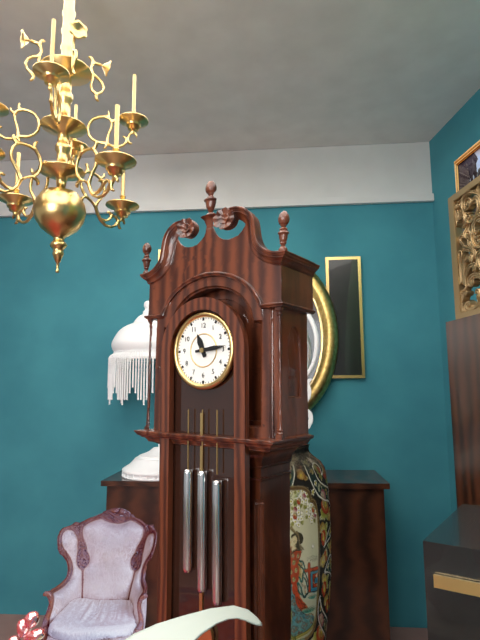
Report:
11,14
